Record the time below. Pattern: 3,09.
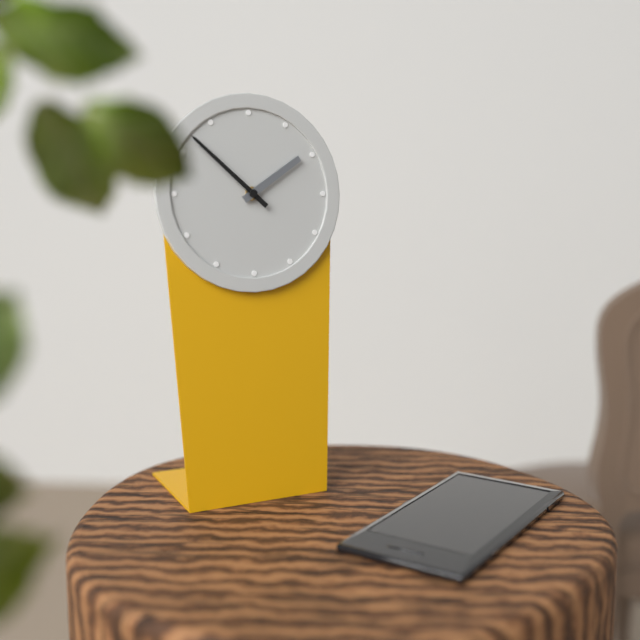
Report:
1,52
